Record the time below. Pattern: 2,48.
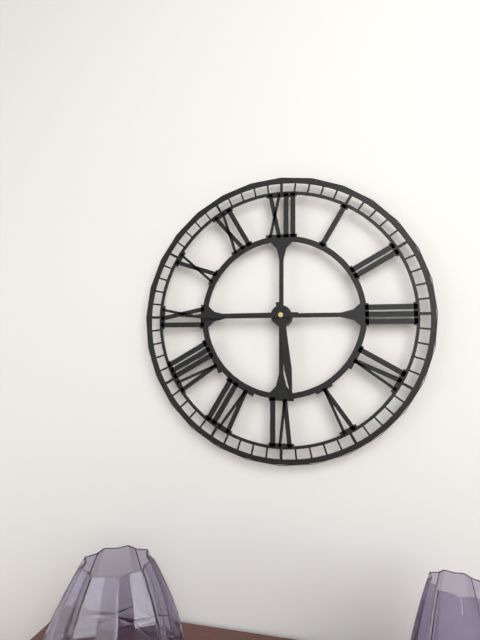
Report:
5,45
